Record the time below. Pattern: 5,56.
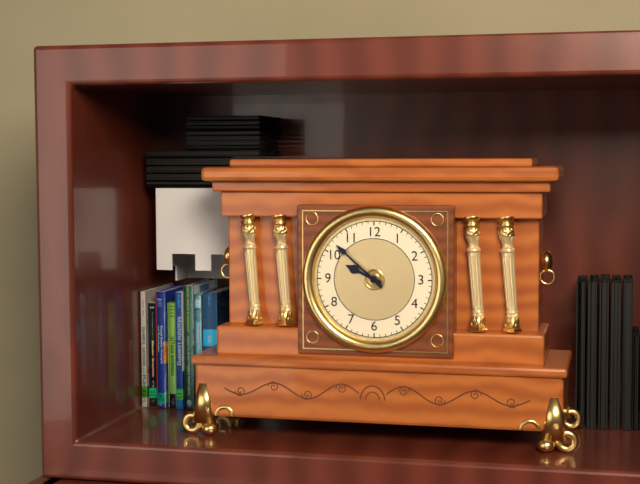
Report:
9,52
